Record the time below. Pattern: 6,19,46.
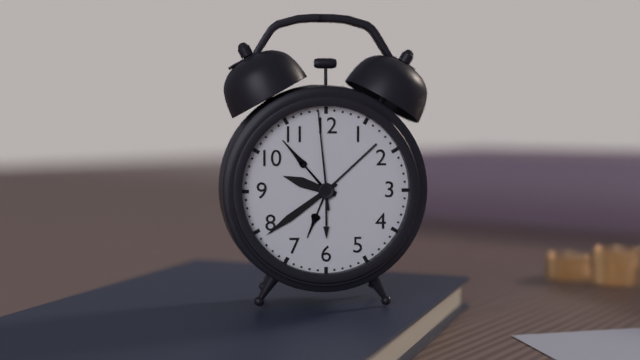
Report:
9,39,59
